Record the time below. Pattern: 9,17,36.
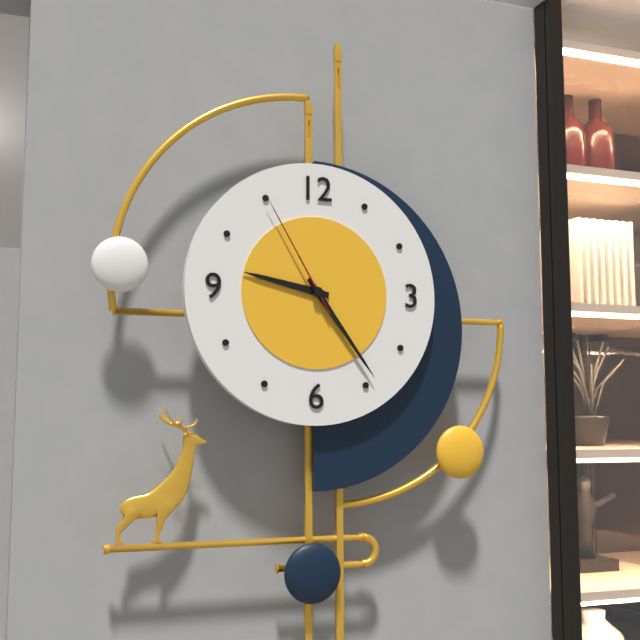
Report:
9,24,55
